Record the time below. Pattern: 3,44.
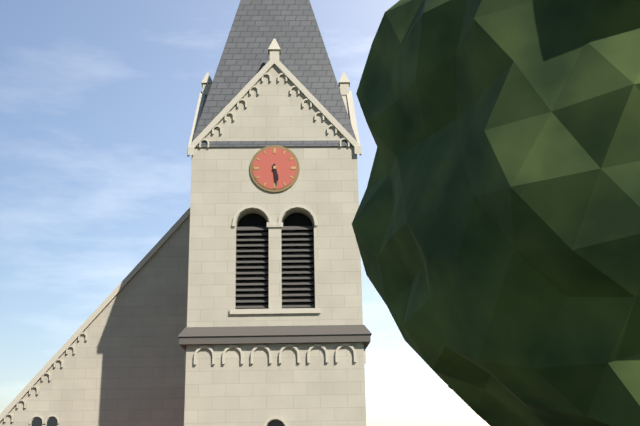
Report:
5,29
